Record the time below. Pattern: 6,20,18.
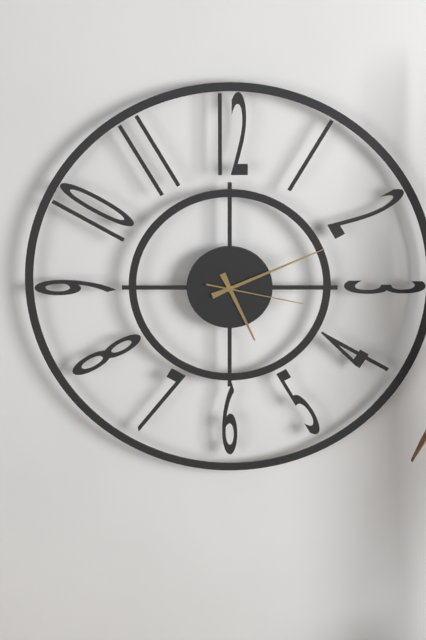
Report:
5,11,17
